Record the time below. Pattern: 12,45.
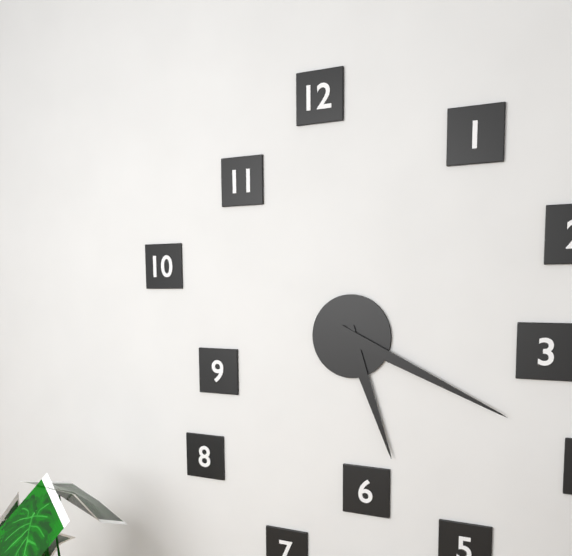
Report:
5,19
